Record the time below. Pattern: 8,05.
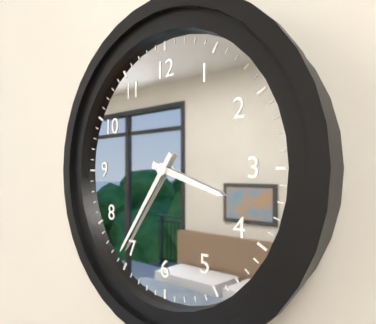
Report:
3,36
